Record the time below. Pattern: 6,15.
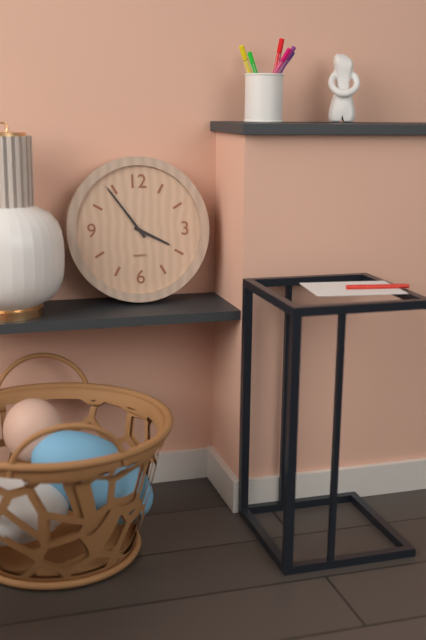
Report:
3,54
